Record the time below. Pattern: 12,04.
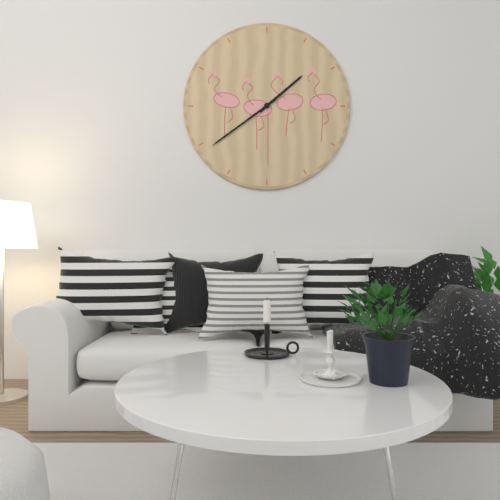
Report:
1,39
